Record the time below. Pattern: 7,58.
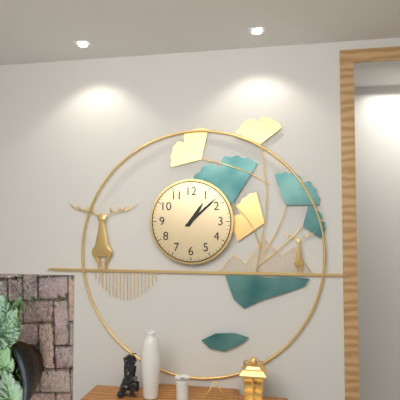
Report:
1,08
